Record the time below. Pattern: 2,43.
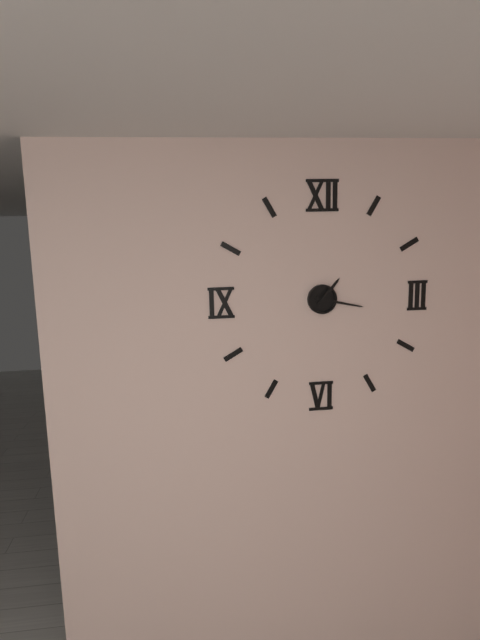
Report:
1,17
